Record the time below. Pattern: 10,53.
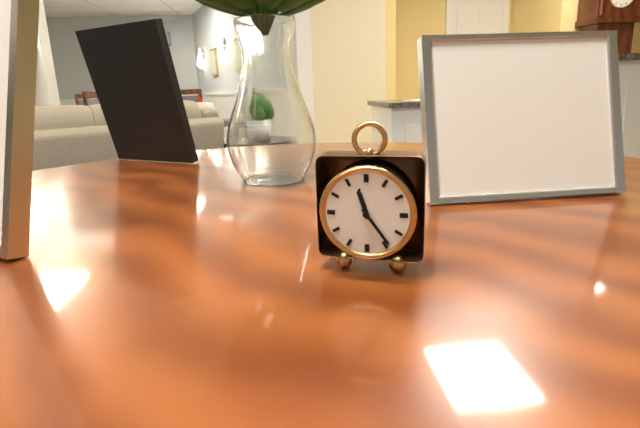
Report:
11,24
